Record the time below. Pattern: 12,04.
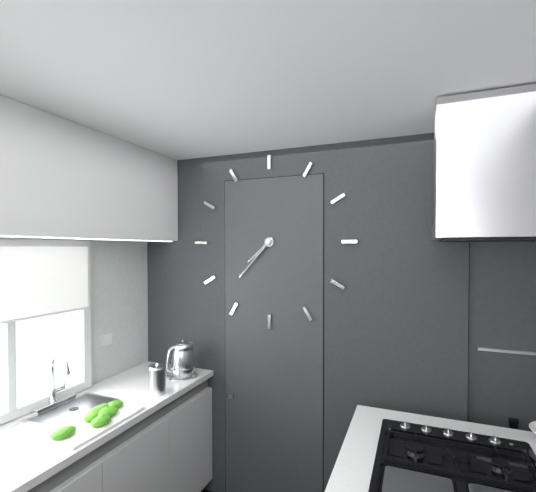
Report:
7,37
